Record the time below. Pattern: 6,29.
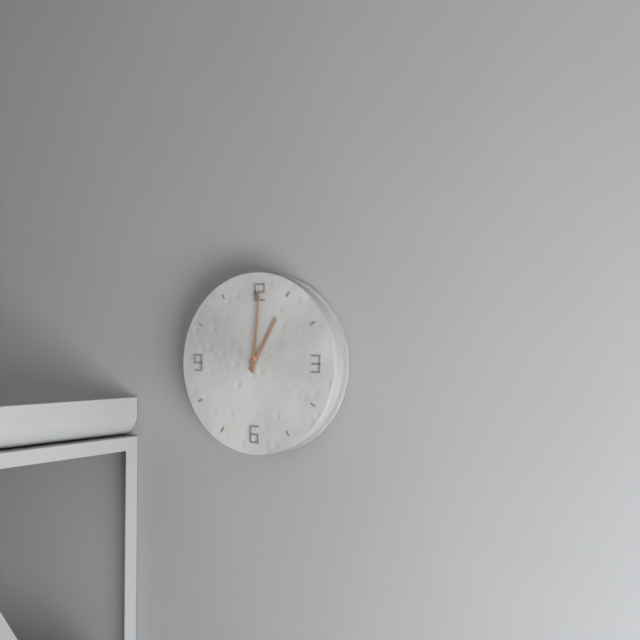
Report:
1,01
